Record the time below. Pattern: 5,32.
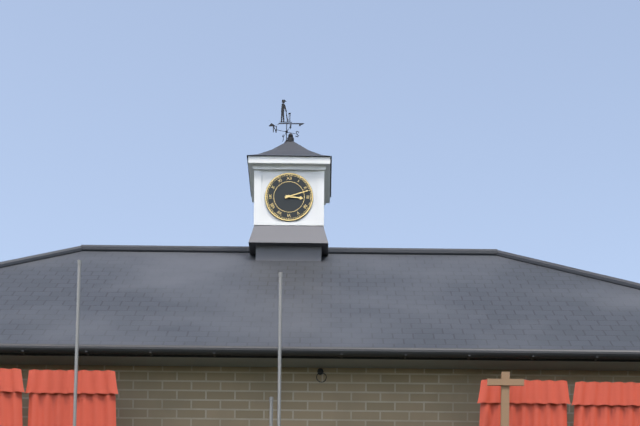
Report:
3,12
